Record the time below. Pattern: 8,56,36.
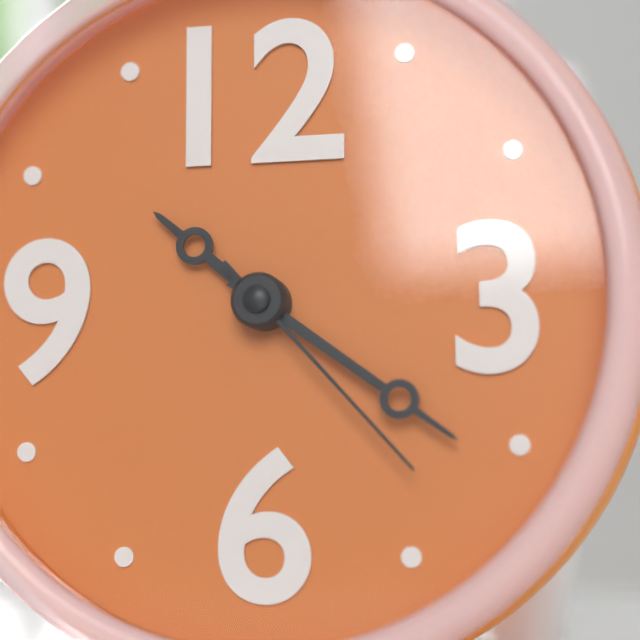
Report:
10,21,23
